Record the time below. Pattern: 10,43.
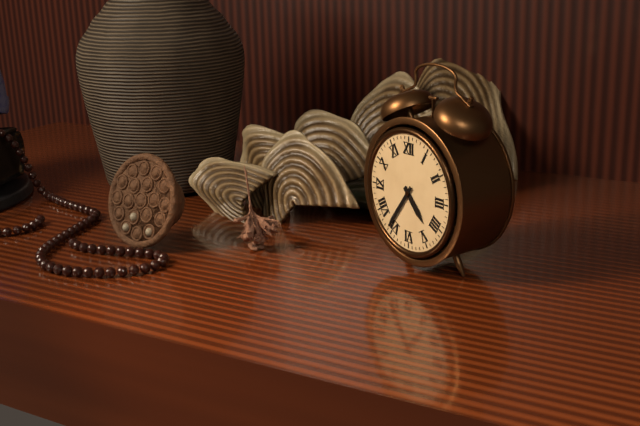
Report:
4,36
